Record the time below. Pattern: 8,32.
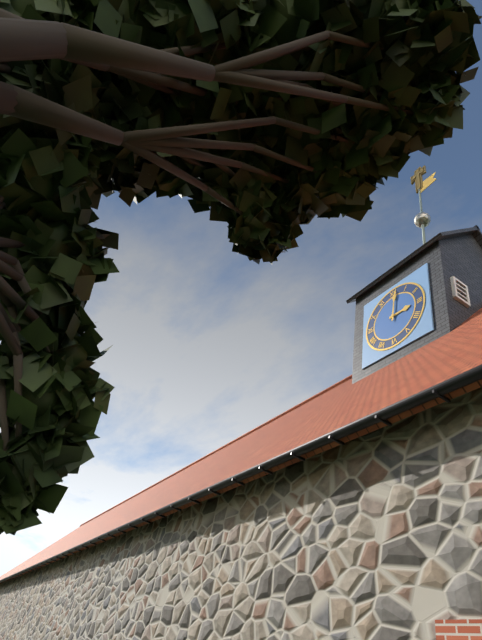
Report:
3,01
